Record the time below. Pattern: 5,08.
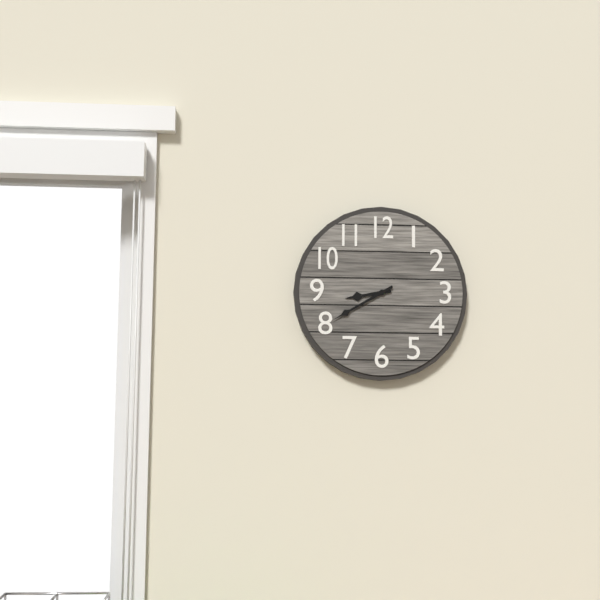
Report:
8,40
